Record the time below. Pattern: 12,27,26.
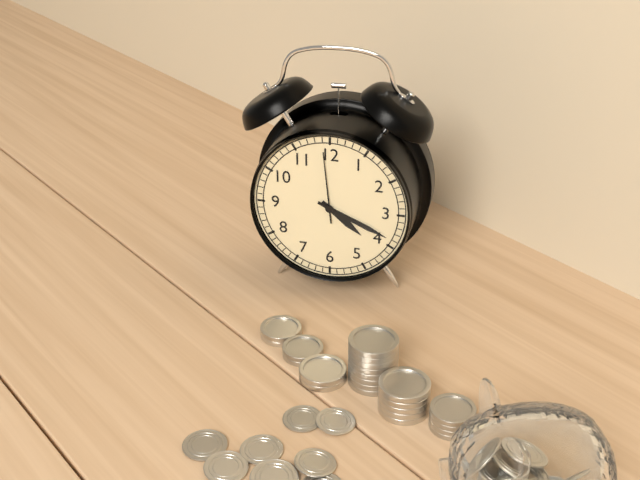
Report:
4,19,59
